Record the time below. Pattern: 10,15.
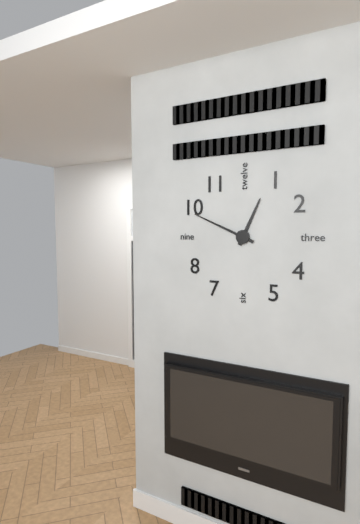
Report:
12,49
